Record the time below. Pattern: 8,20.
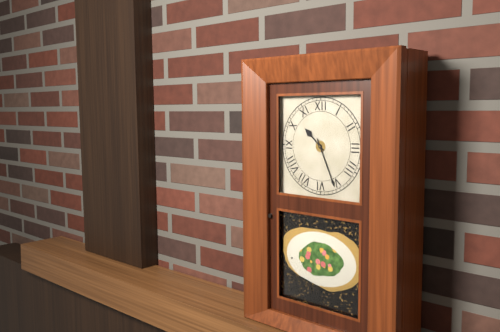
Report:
10,26
